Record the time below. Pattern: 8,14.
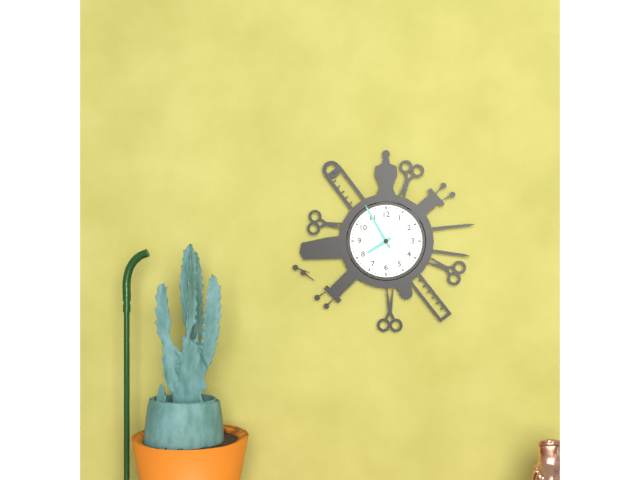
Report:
7,55
